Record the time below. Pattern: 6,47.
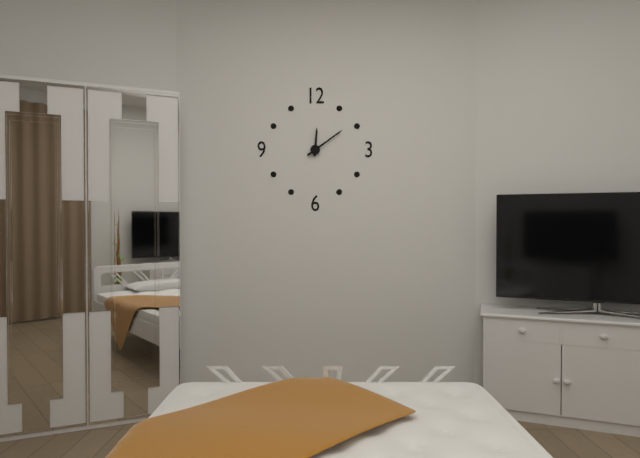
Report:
12,09
